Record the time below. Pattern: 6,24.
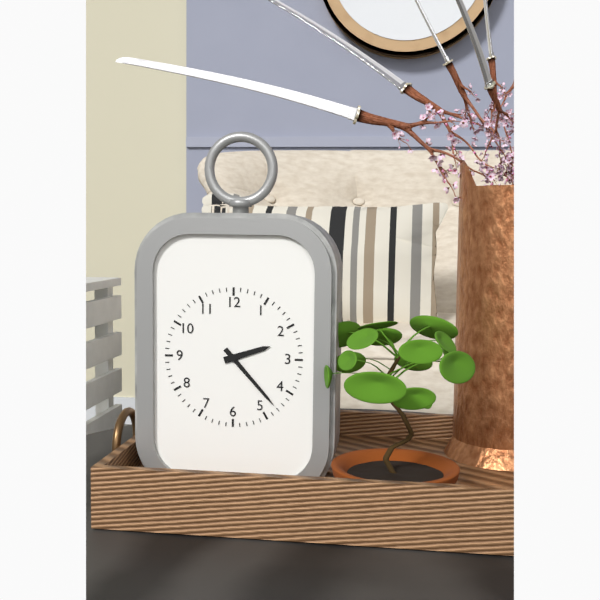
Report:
2,23
